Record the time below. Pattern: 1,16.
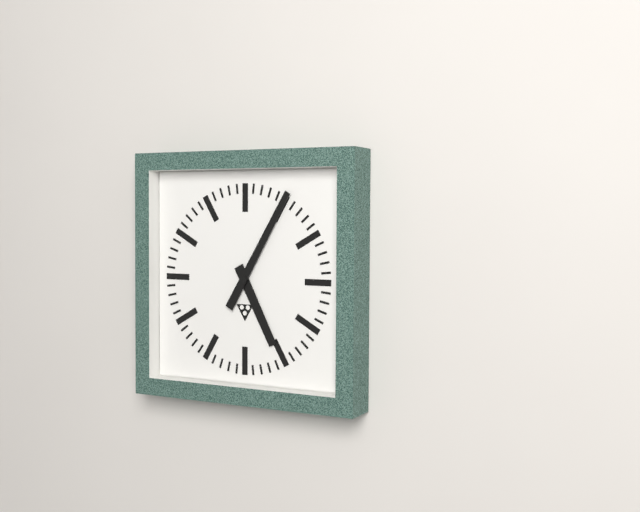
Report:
5,05
